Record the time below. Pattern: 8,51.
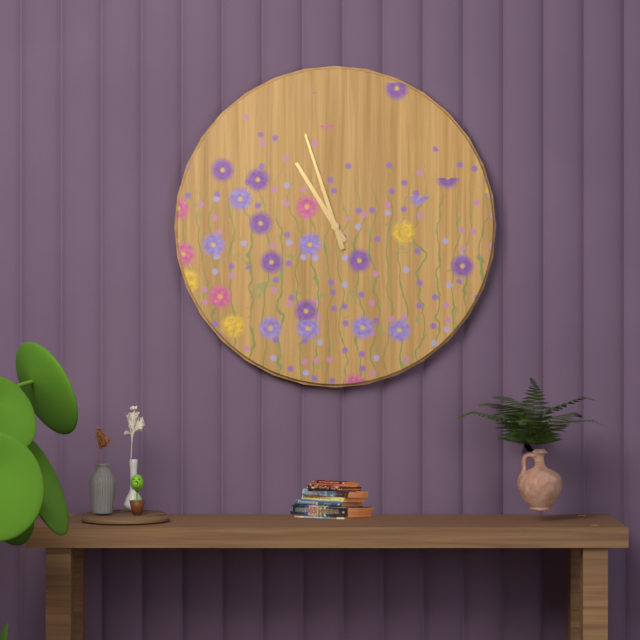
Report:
10,57
